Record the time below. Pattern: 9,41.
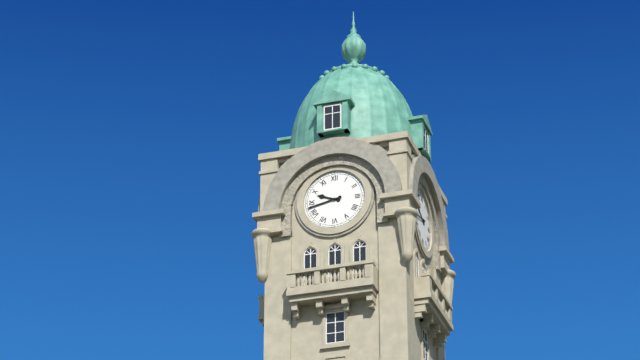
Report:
9,43
